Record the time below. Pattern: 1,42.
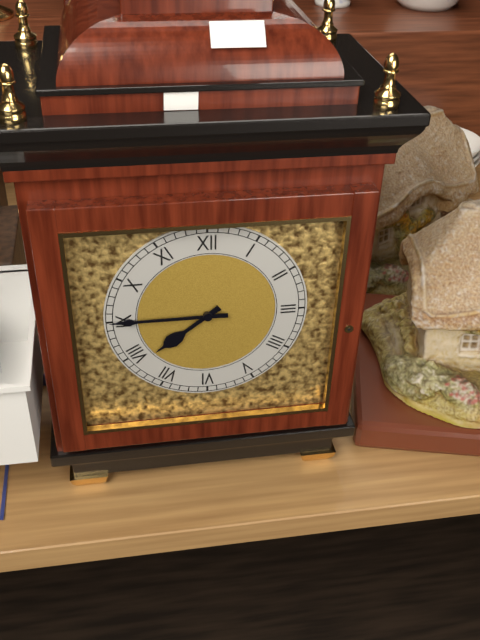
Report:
7,45
